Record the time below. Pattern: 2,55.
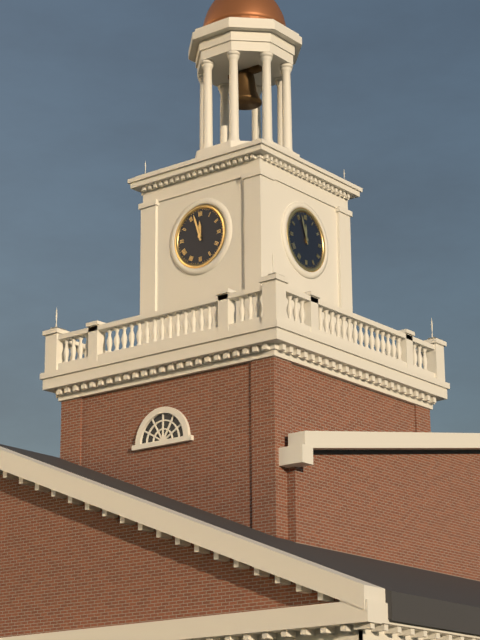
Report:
11,57
